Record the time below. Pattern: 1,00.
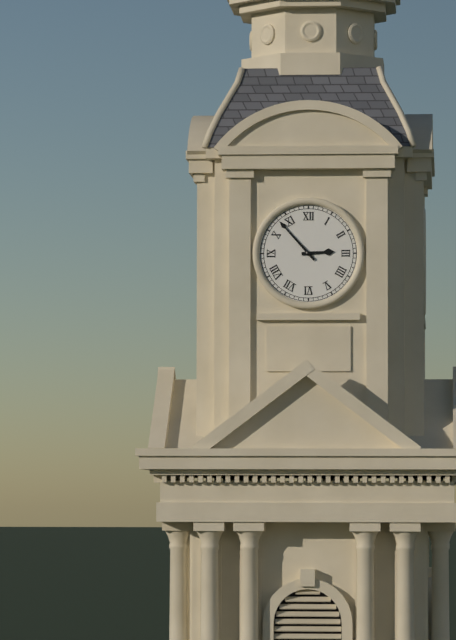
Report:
2,53
